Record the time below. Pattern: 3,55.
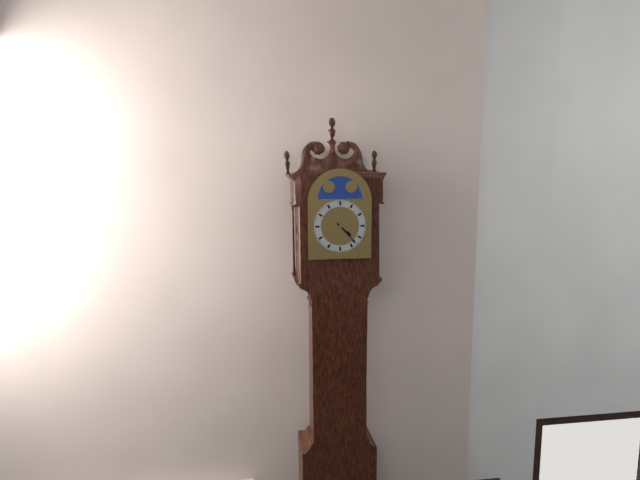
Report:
4,23
